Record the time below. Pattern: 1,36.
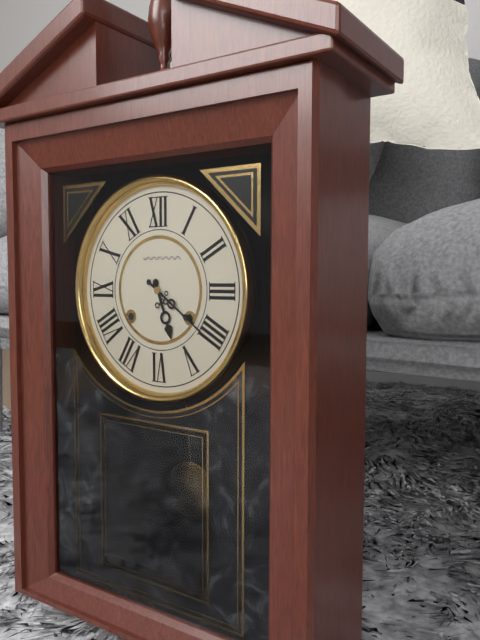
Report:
5,21
